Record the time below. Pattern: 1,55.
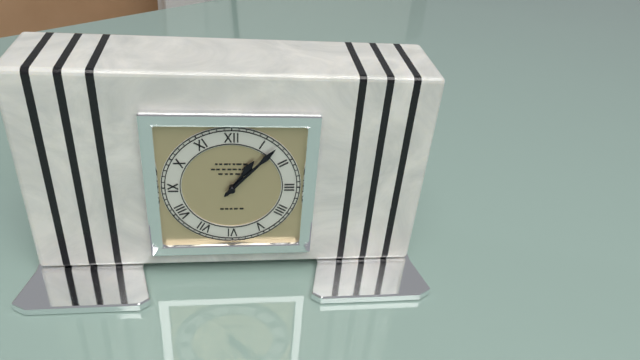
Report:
1,07
